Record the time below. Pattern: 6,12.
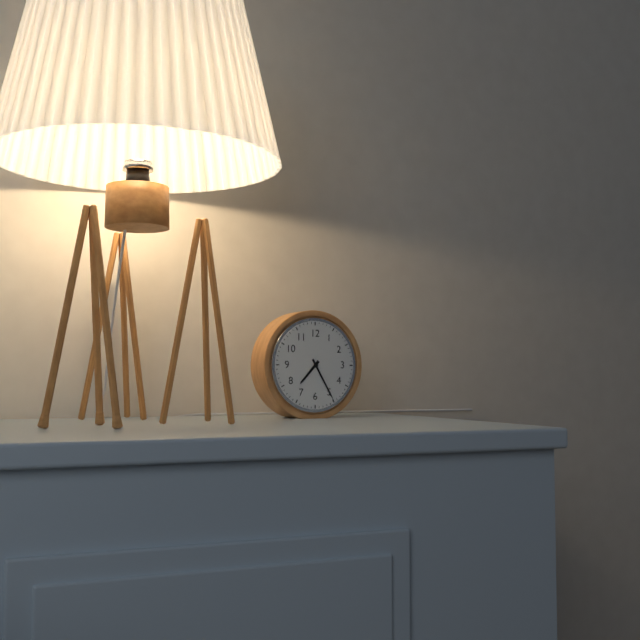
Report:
7,25
